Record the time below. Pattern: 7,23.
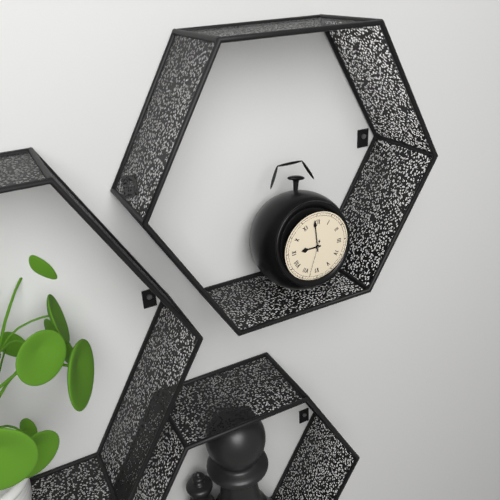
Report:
8,59
